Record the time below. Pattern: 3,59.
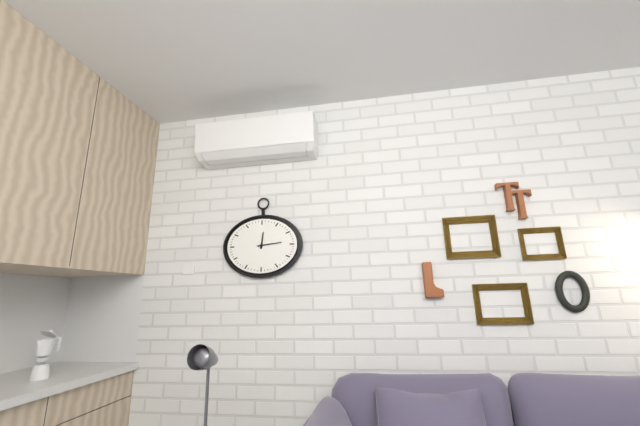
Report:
12,14
